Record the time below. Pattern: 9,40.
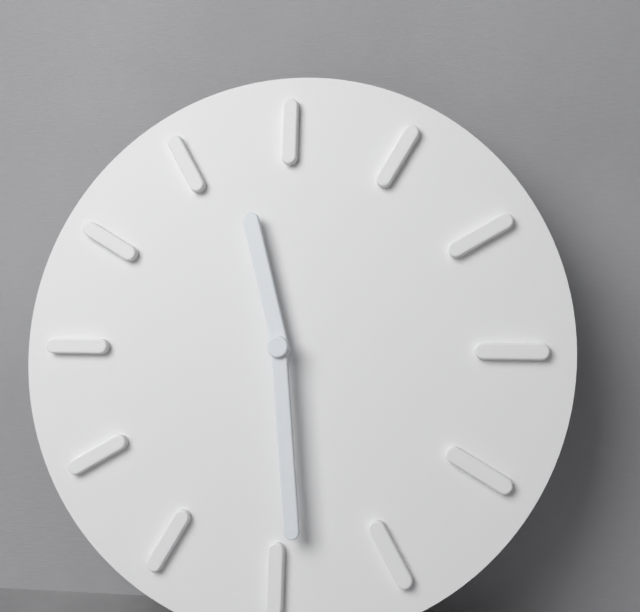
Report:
11,29
